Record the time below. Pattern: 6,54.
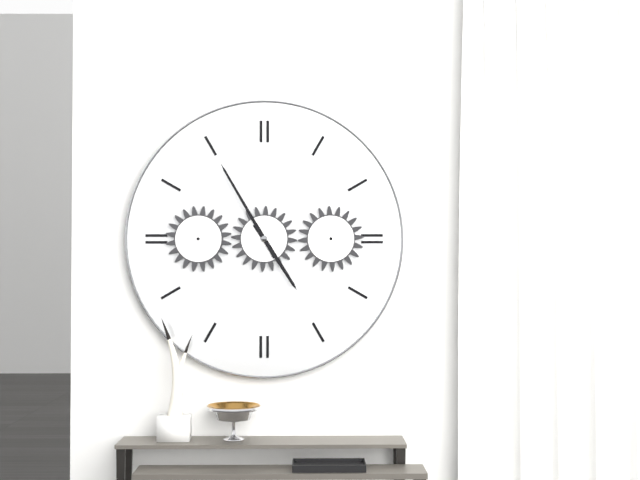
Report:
4,55
